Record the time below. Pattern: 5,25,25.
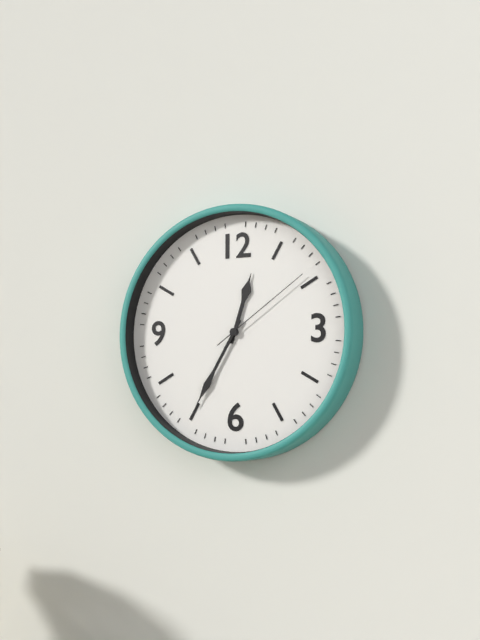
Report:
12,35,09
